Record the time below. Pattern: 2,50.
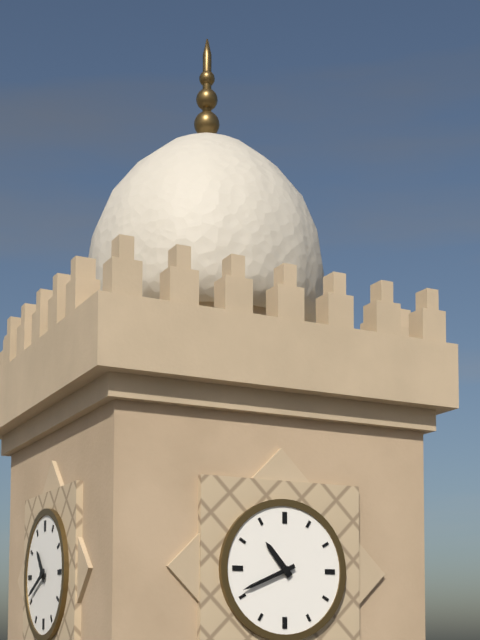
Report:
10,41
